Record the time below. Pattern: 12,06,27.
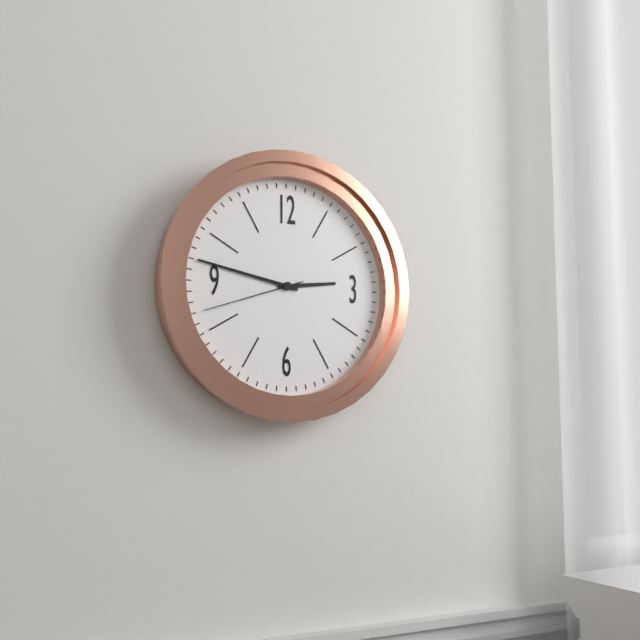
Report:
2,47,42
